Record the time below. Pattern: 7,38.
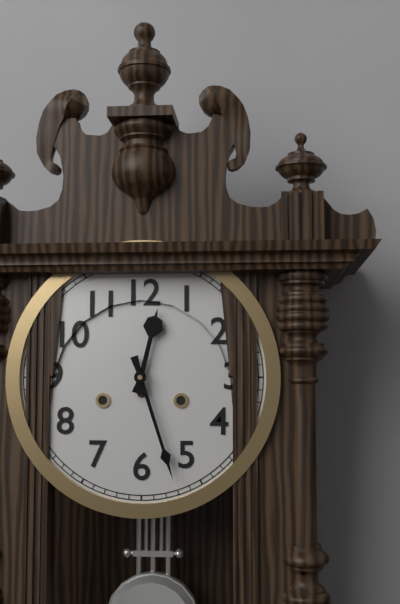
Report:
12,27
